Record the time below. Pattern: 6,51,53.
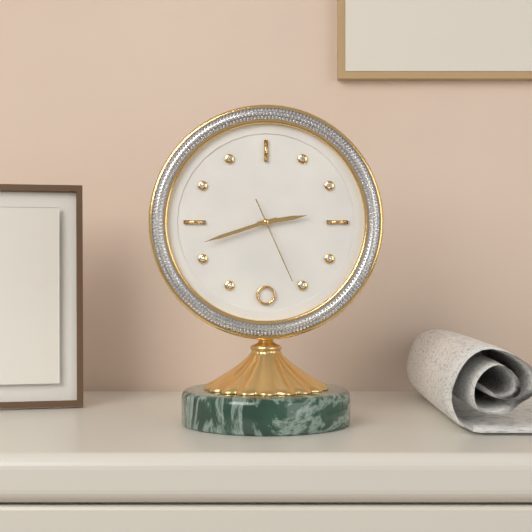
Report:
2,42,26
